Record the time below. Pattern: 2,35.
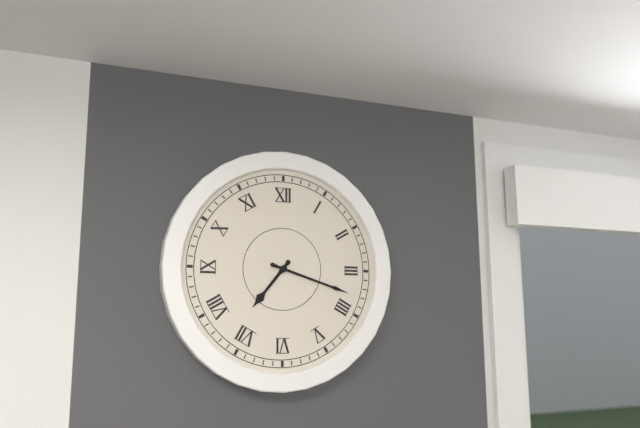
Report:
7,18
